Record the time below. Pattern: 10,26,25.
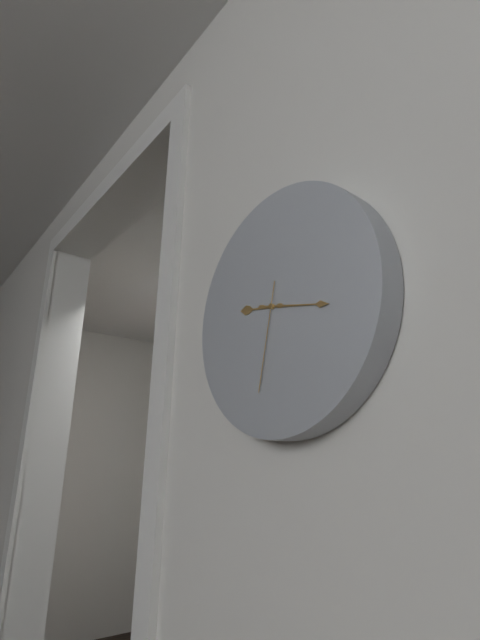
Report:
9,17,32
